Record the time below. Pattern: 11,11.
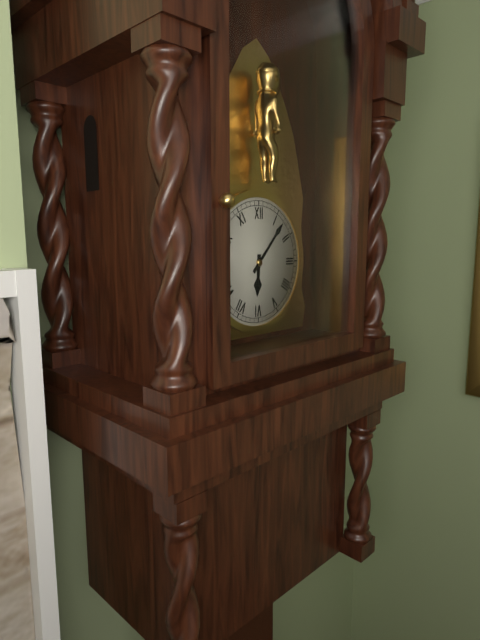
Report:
6,07
